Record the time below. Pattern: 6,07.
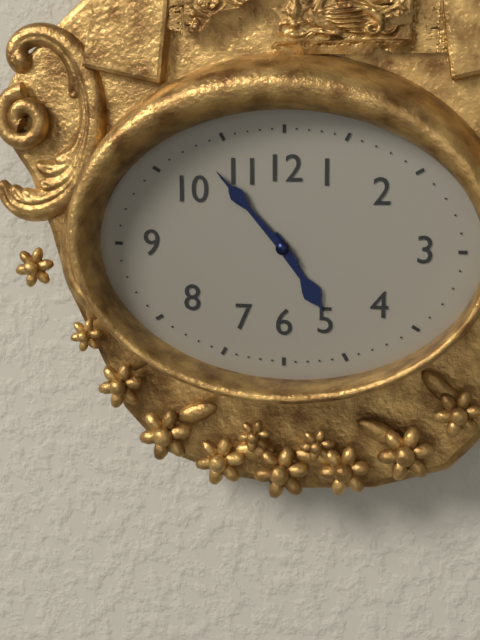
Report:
4,53
